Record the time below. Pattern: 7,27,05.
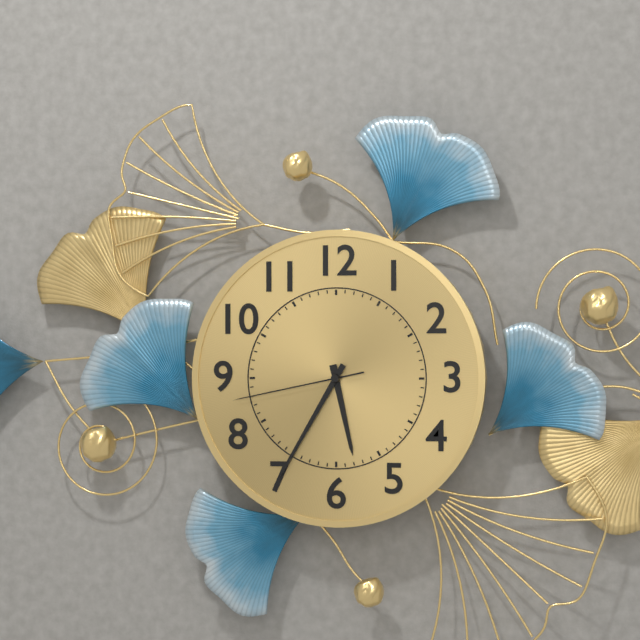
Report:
5,35,43
